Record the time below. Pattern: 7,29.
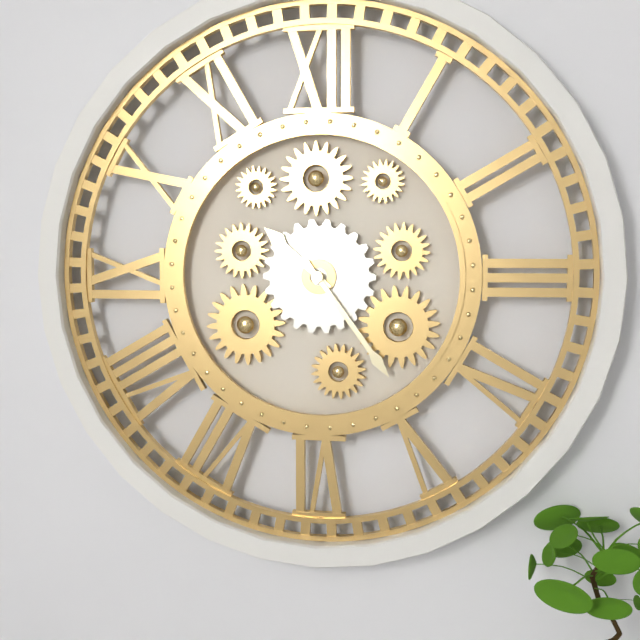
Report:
10,24
